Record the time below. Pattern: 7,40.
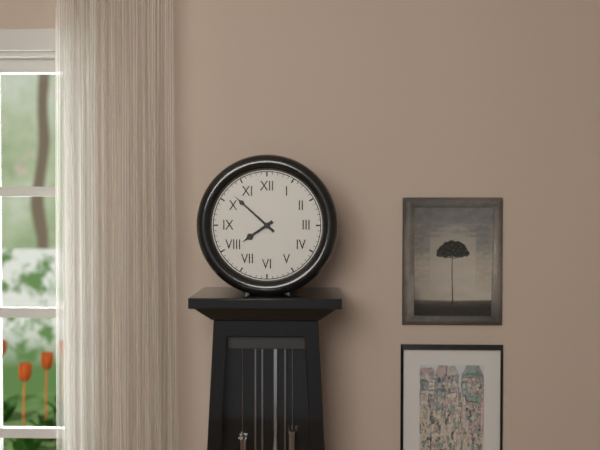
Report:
7,52
